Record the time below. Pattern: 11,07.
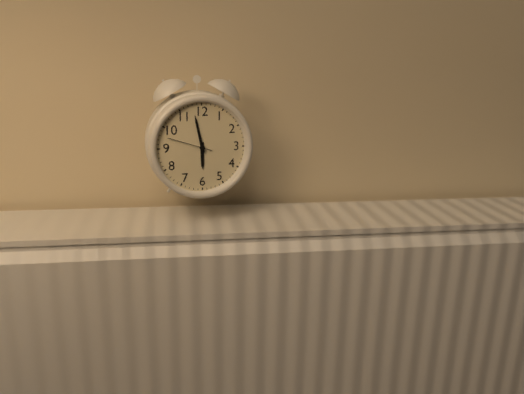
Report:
5,58
